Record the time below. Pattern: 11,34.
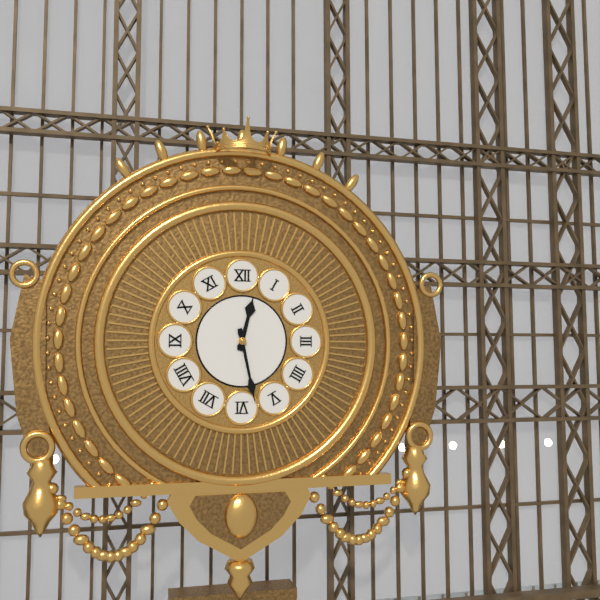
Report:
12,28
